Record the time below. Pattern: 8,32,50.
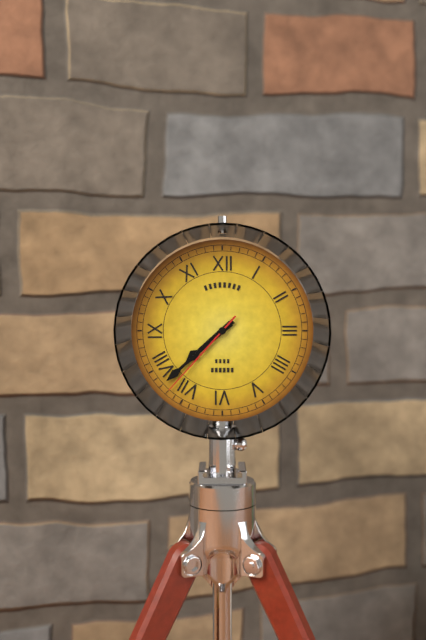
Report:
7,38,37
